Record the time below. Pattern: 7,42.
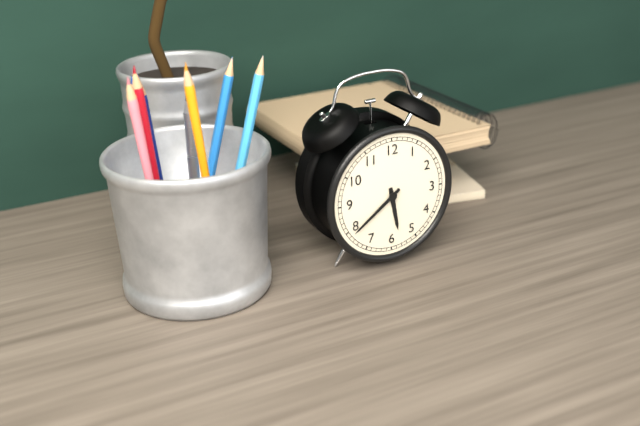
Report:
5,39
